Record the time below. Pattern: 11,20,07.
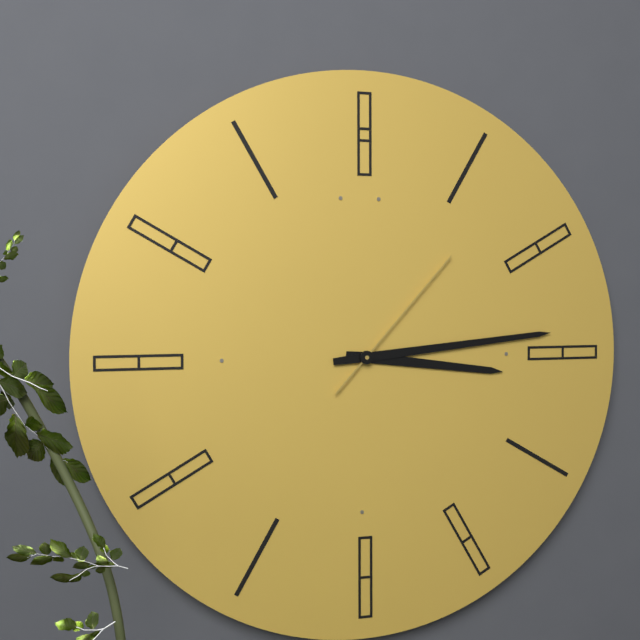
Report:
3,14,07
